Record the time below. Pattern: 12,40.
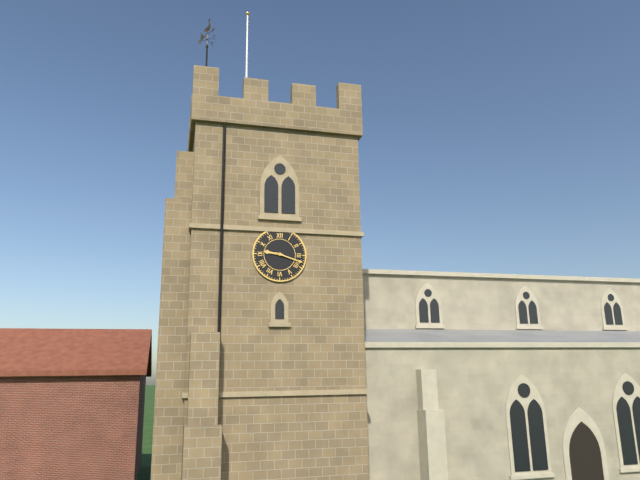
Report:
9,18
